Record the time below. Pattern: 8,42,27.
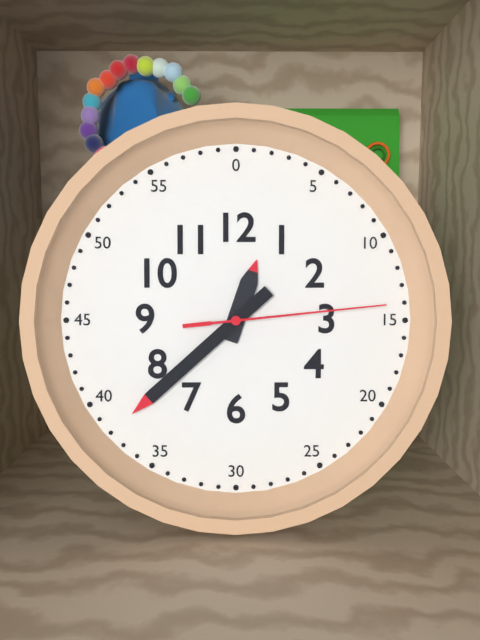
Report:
12,38,14
